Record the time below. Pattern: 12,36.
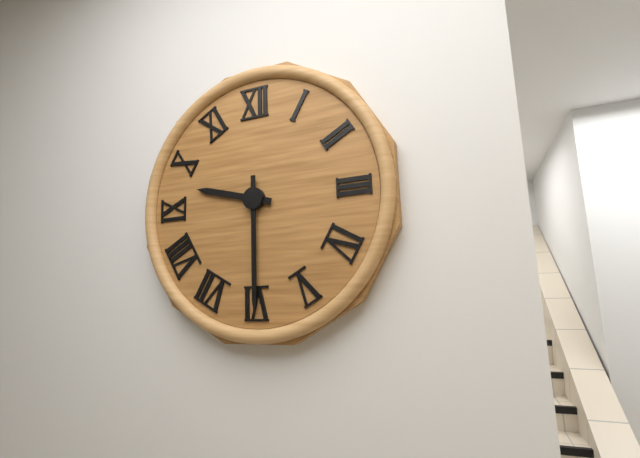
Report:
9,30
